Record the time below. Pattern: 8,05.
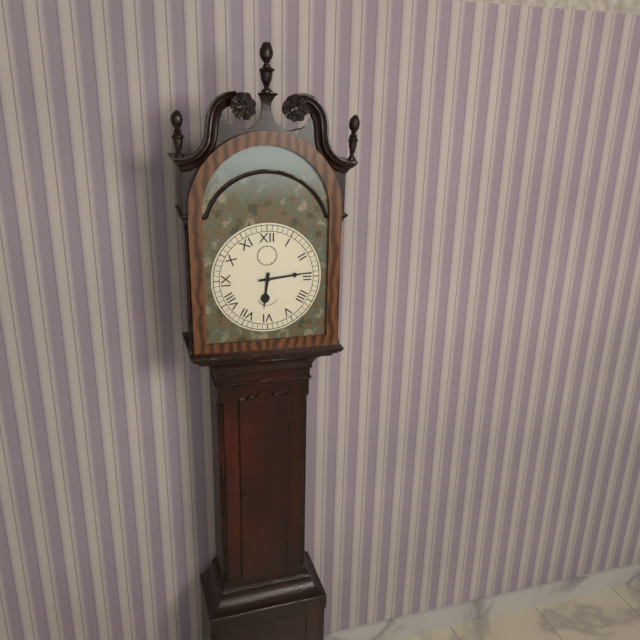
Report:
6,14
